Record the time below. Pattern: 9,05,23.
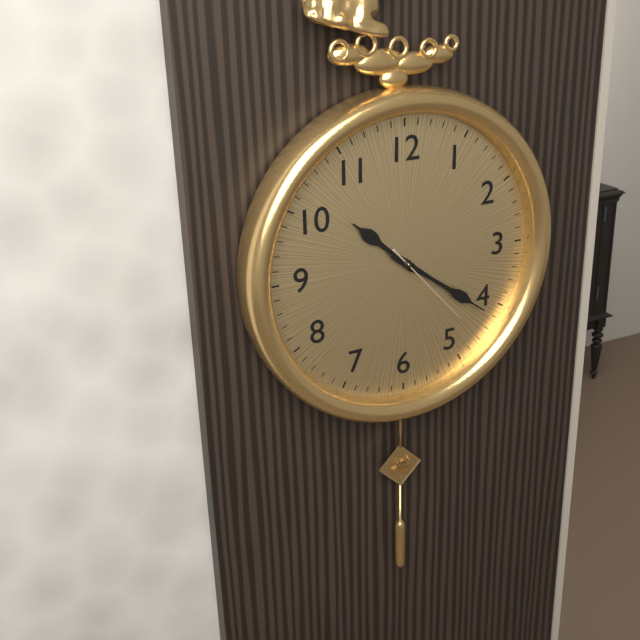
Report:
10,21,23
